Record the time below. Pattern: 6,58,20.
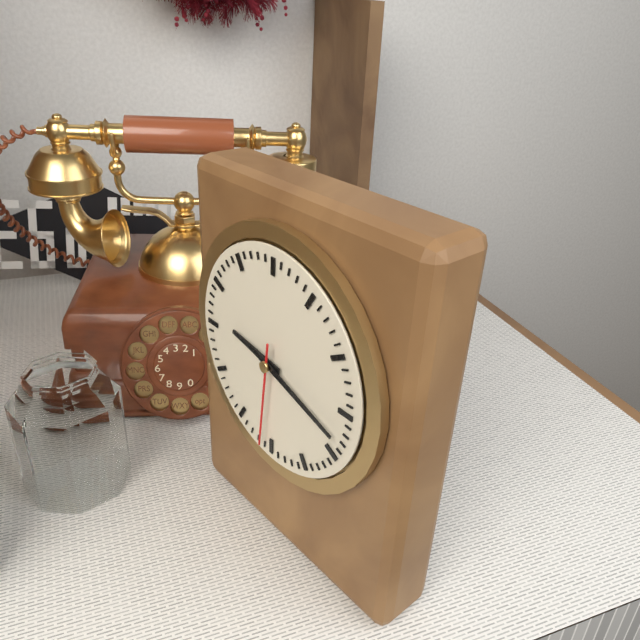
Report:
9,18,31
